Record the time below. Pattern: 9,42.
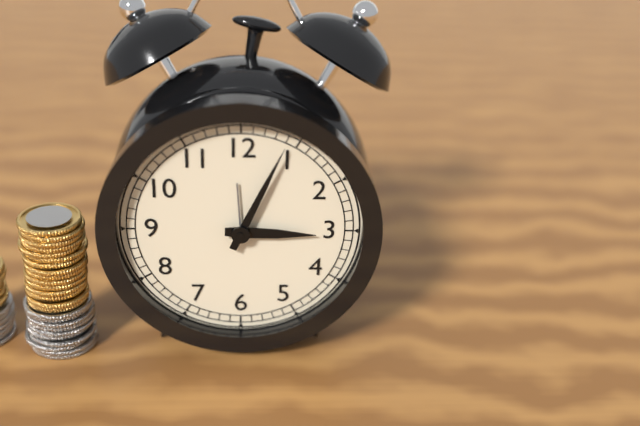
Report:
3,04
